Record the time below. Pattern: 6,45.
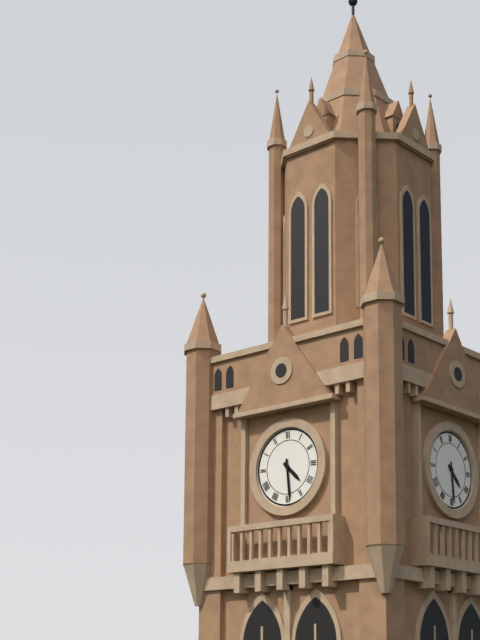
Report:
4,29
